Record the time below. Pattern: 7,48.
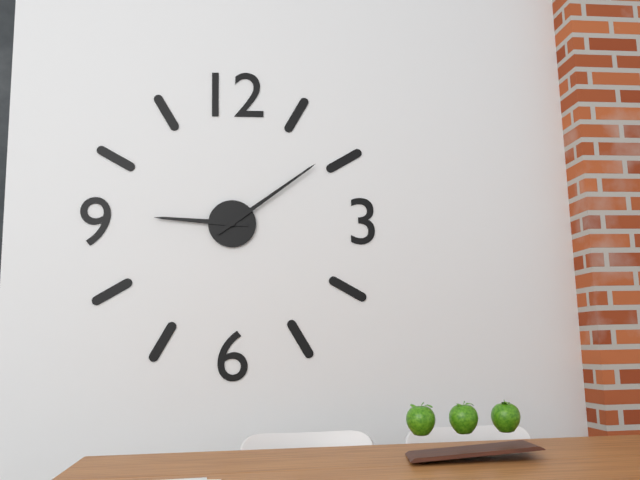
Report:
9,09
